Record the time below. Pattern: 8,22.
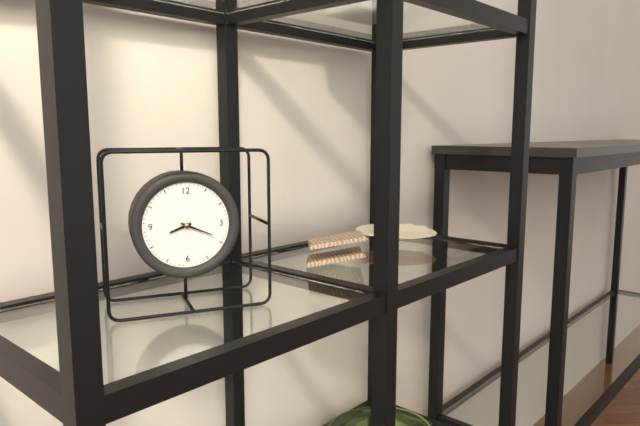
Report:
8,19
